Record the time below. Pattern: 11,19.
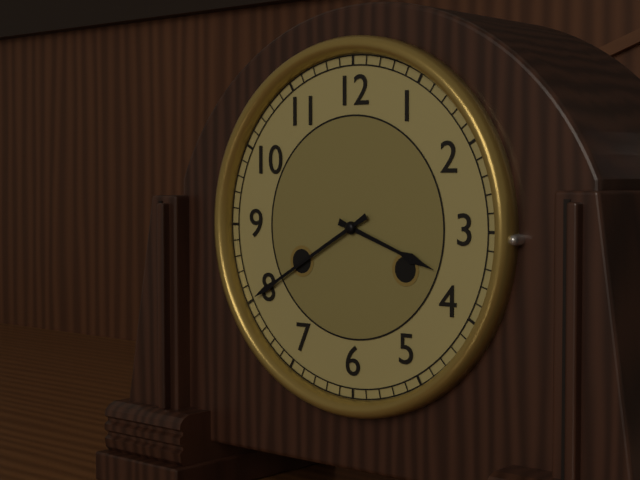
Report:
3,40
